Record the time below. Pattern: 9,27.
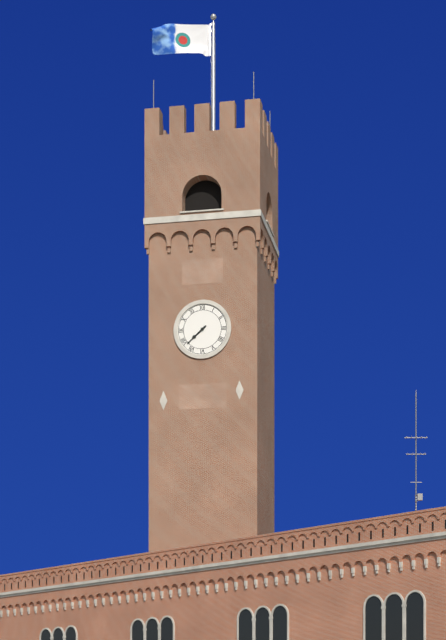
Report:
7,38
